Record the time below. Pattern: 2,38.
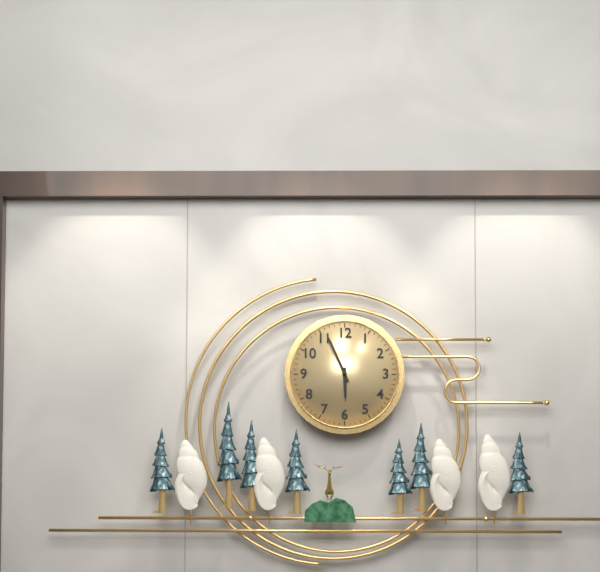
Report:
5,56
